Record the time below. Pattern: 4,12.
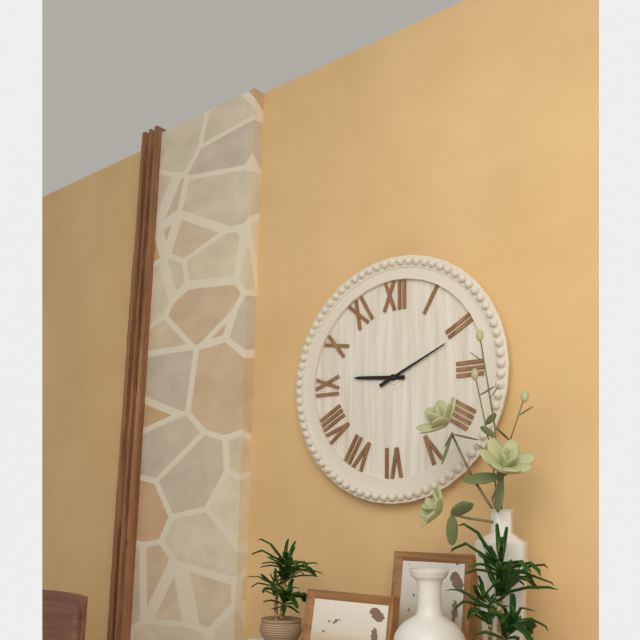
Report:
9,11
